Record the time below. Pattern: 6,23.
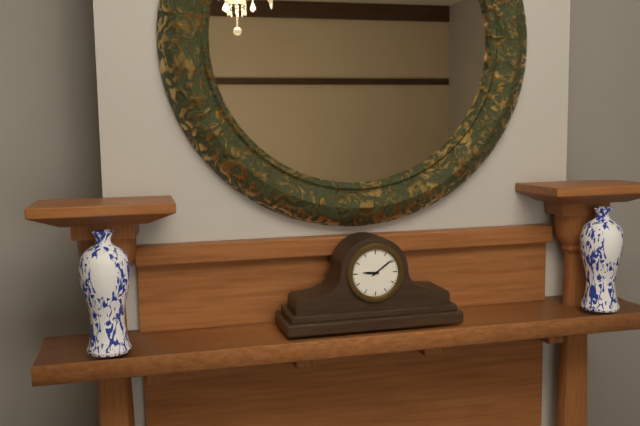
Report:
9,09
